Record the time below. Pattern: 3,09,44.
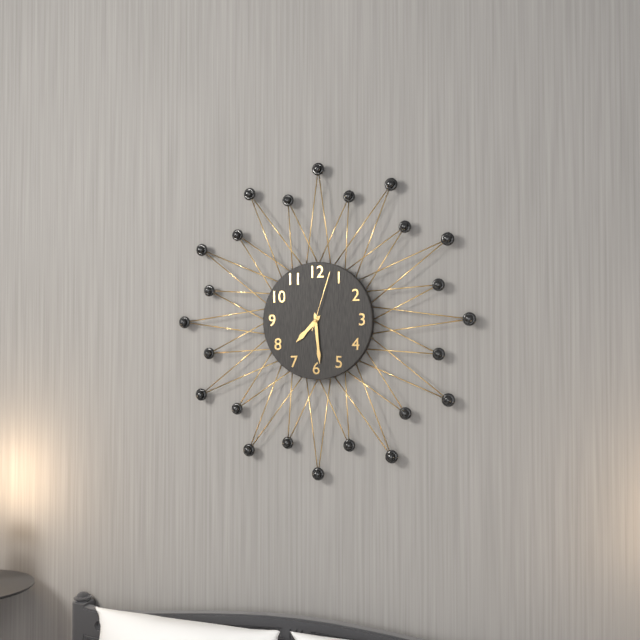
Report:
7,29,03
